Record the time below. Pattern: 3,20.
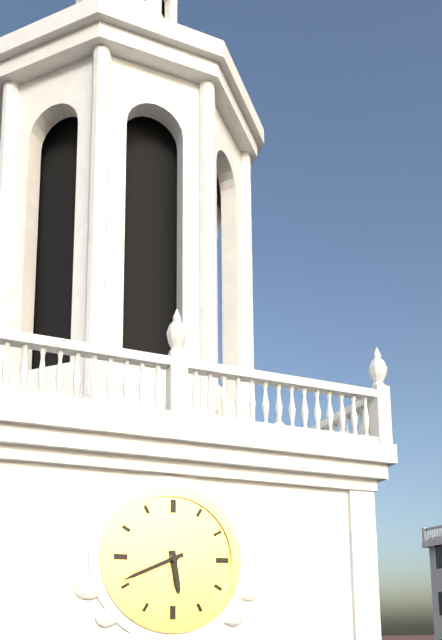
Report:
5,41
